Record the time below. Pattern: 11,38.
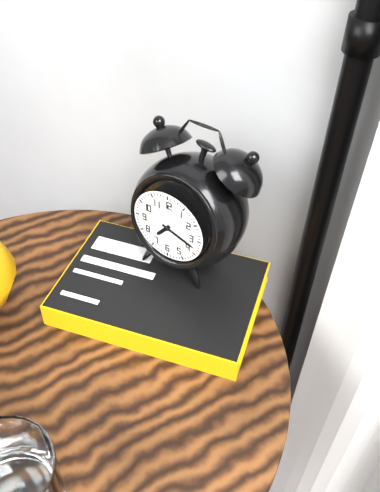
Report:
7,18
